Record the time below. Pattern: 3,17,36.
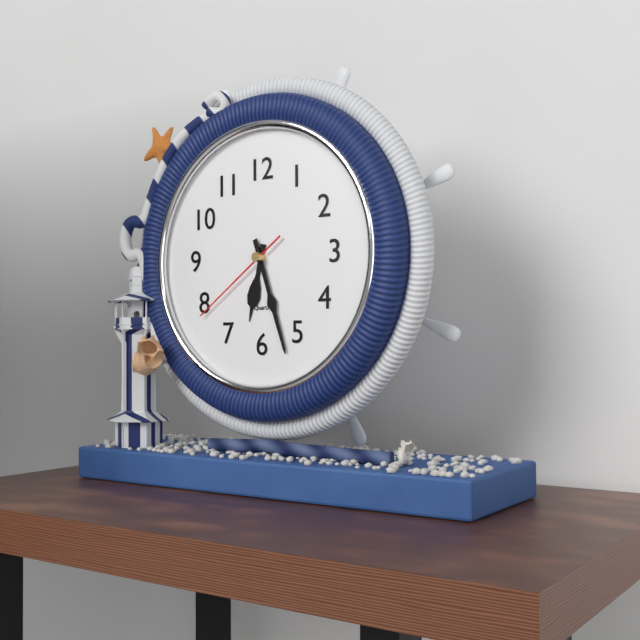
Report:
6,27,39
